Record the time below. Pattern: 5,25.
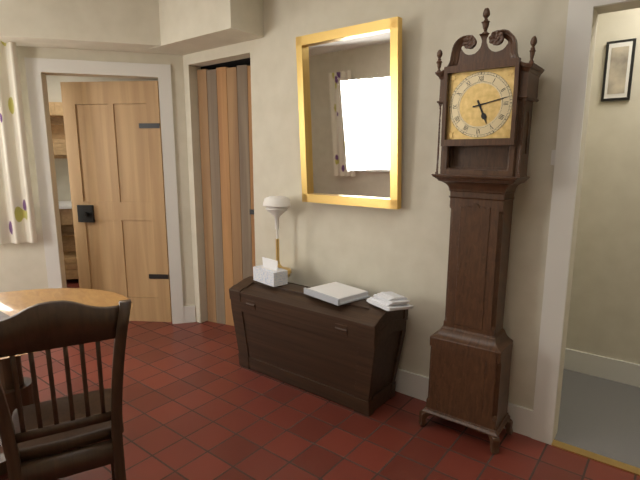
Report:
5,13
